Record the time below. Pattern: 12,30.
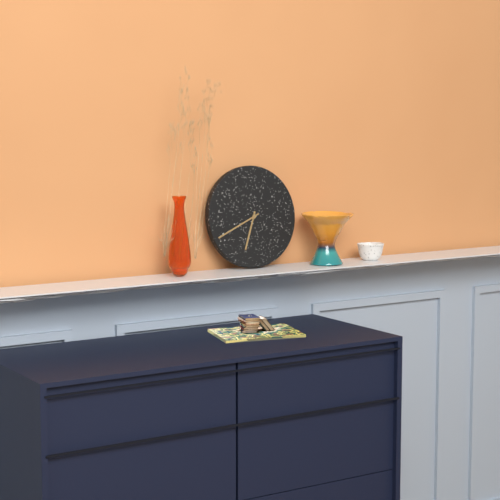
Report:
6,41
